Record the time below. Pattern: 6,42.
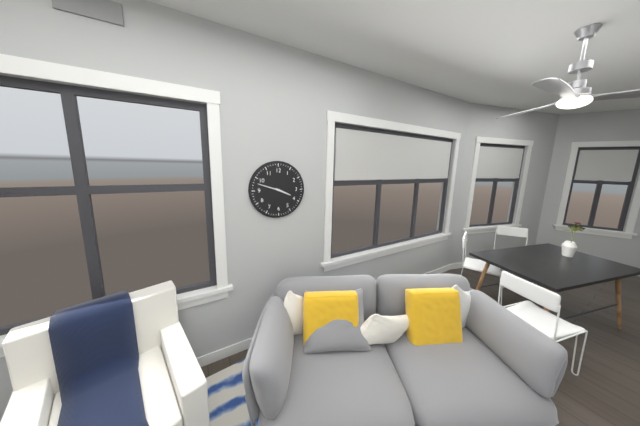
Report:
3,48
